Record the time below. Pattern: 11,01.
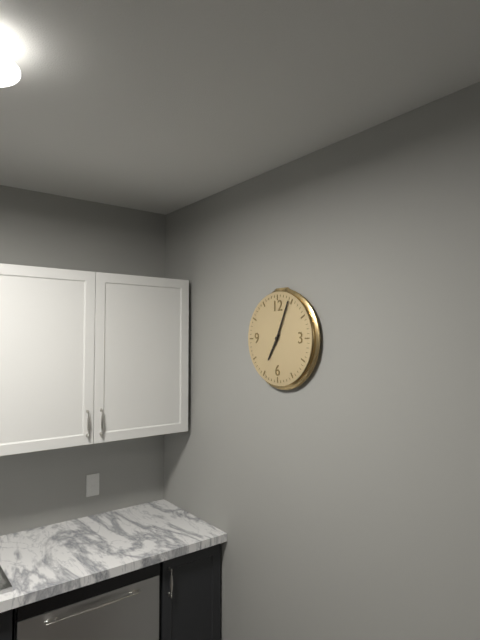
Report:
7,04
